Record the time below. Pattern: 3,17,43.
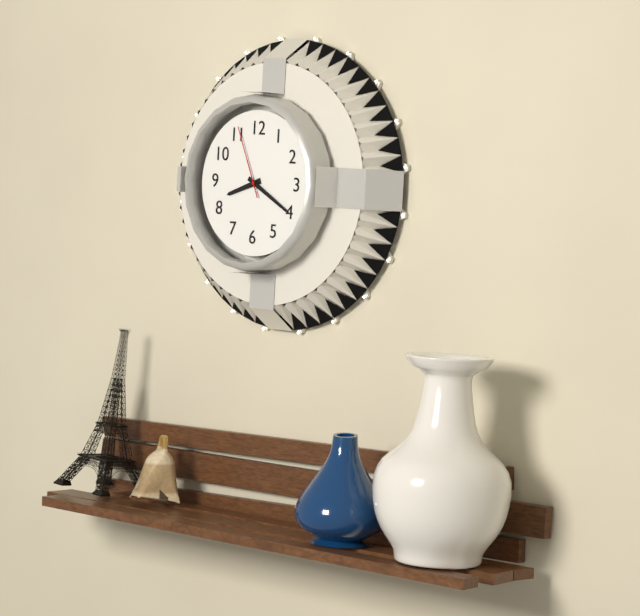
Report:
8,20,56
